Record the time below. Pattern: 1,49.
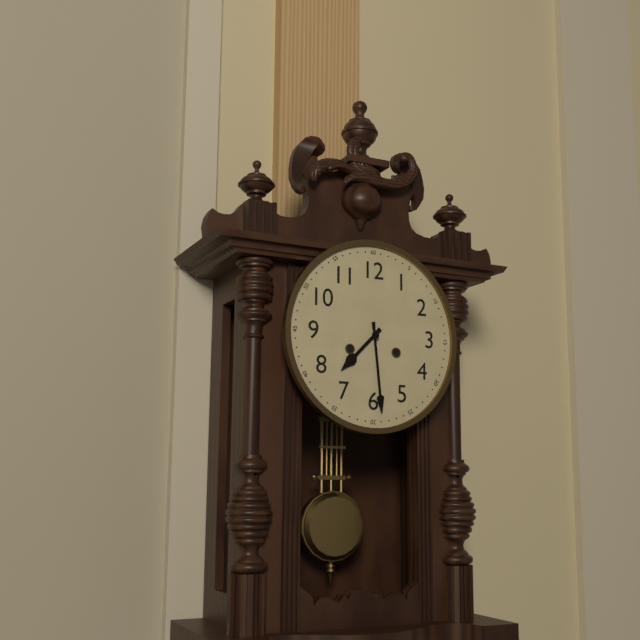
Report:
7,29
